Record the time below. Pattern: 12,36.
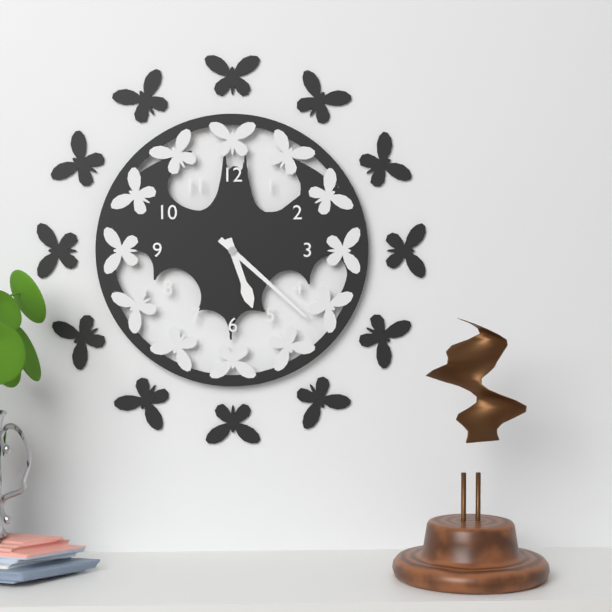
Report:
5,22
